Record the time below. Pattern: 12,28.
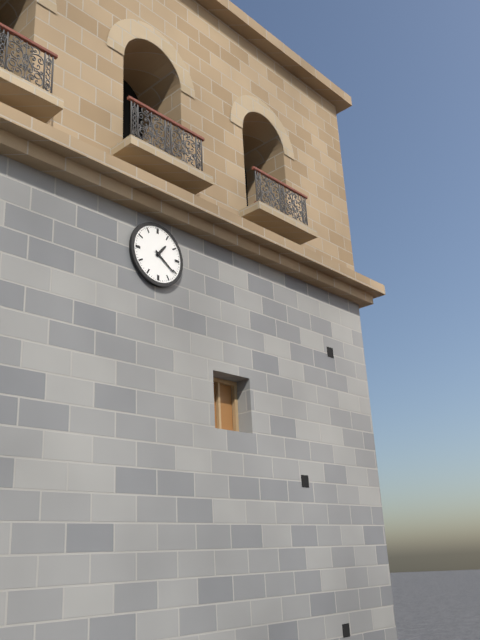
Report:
1,21
